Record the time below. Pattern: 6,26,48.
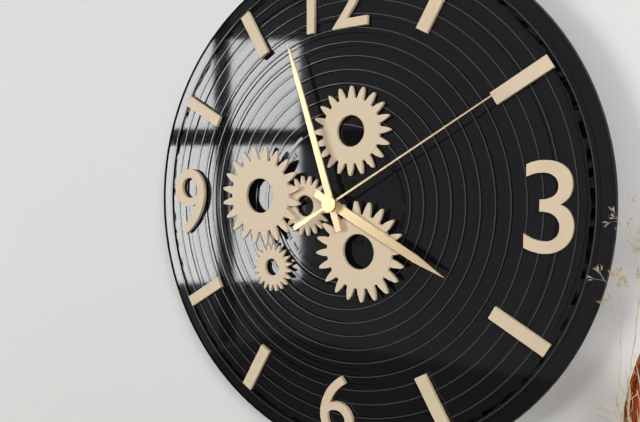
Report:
3,57,10
